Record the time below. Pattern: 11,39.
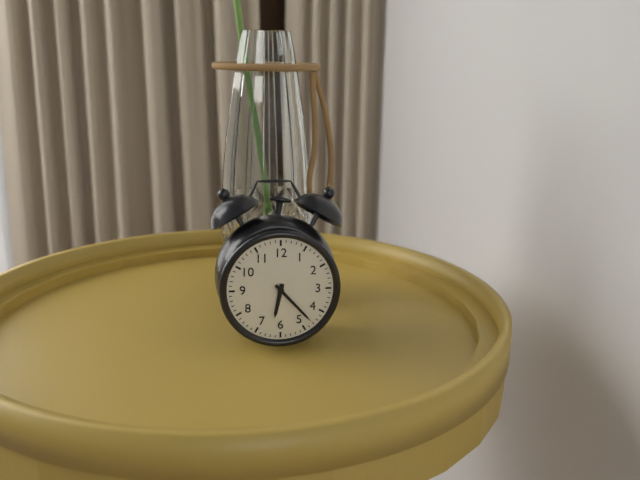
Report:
6,23
